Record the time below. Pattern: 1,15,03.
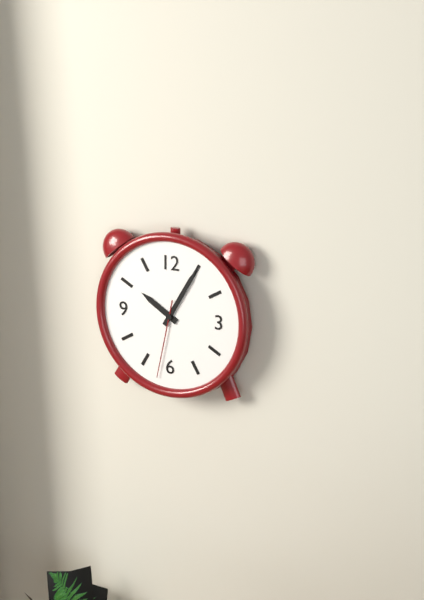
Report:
10,05,32
